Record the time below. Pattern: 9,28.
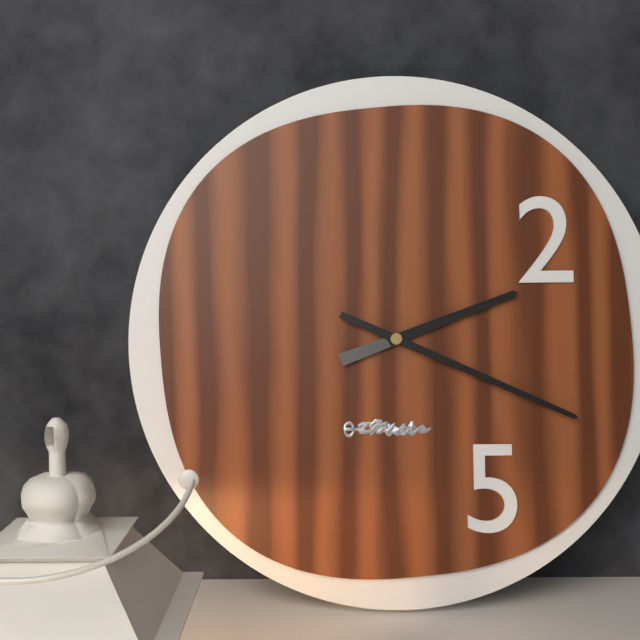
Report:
2,19
